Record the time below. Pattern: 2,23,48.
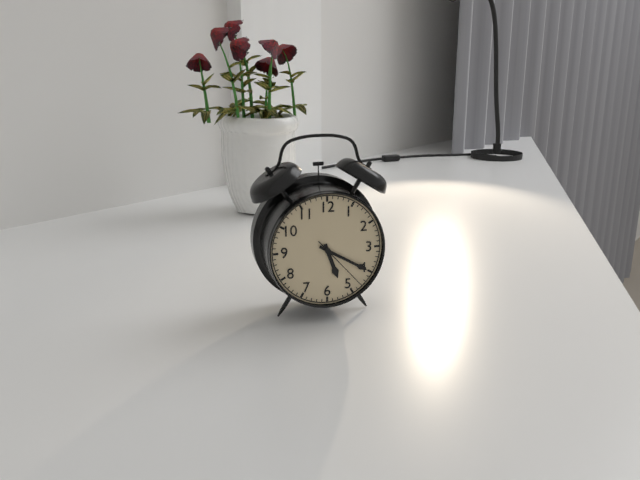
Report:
5,20,23
